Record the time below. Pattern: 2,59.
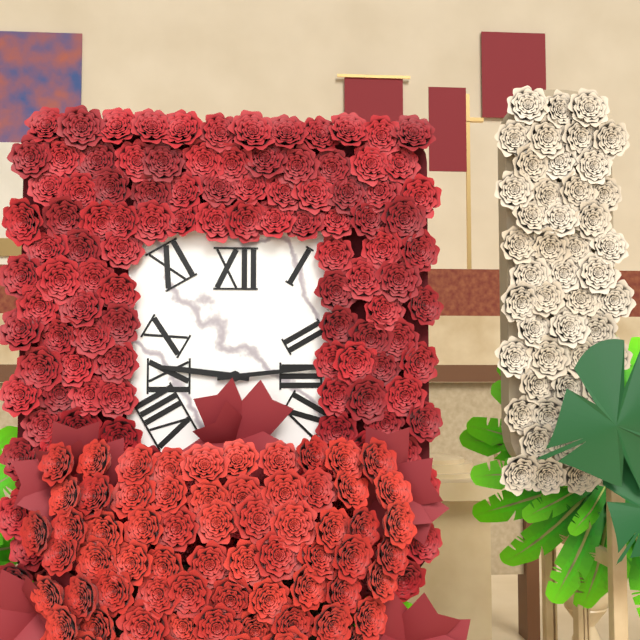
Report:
9,14
